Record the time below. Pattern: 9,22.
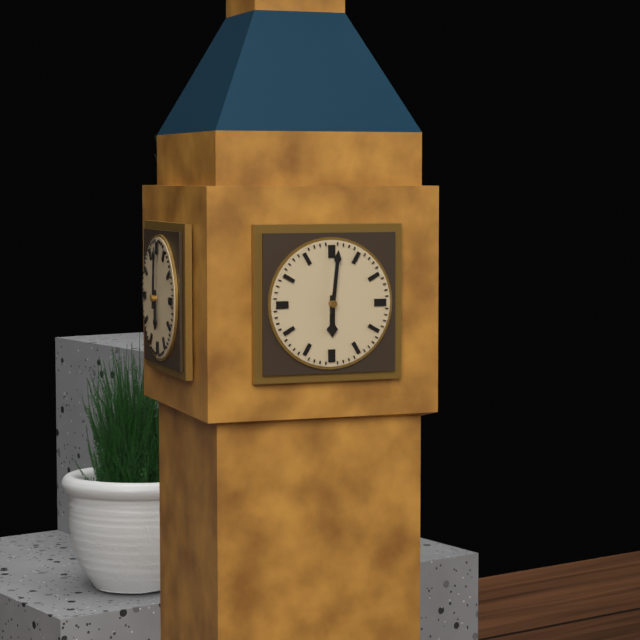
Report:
6,01
